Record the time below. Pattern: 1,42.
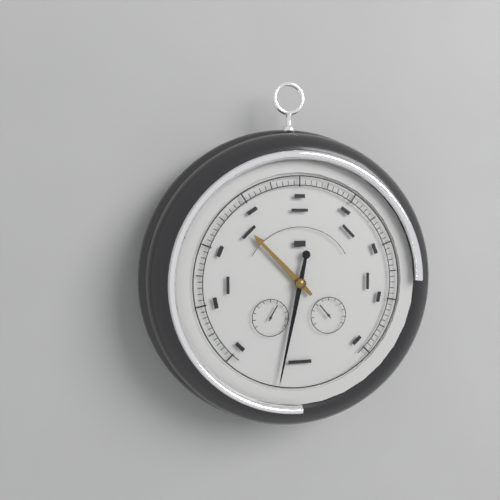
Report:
10,32
